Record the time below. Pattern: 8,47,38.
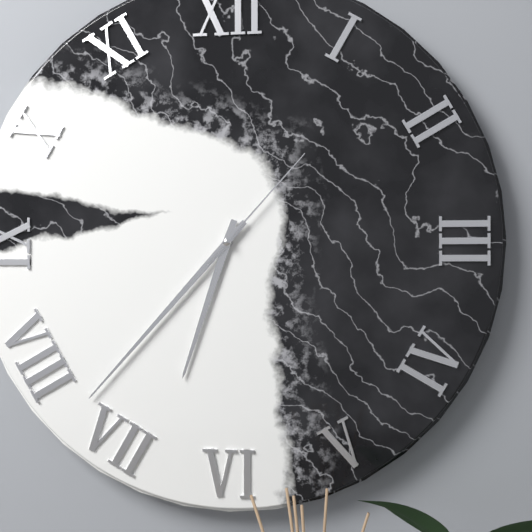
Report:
6,37,07
